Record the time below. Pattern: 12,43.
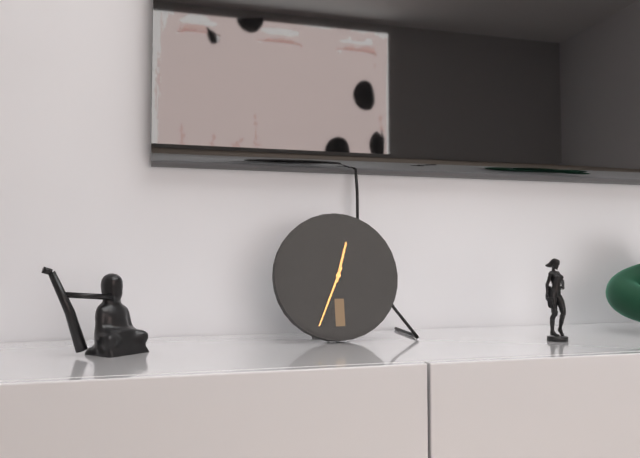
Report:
12,34
